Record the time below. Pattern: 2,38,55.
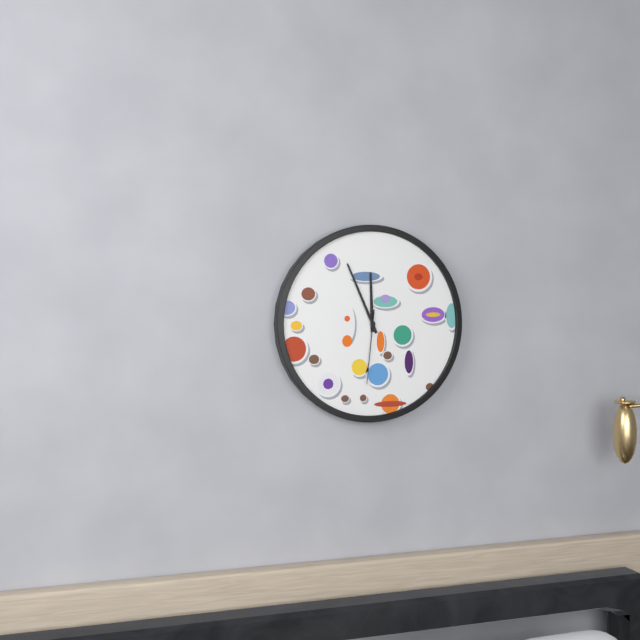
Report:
11,56,31
